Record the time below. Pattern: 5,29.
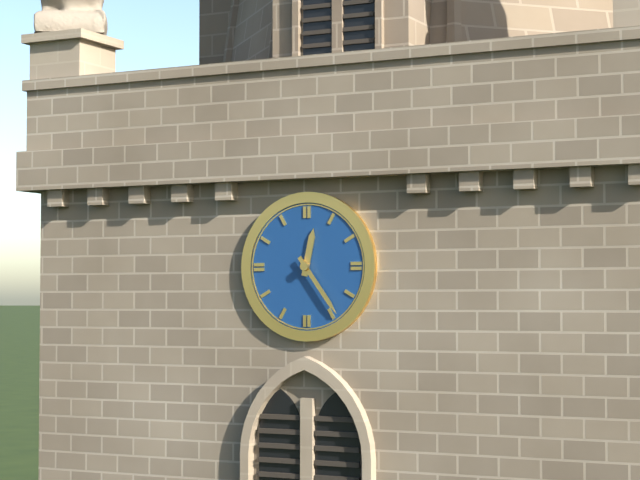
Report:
12,24
